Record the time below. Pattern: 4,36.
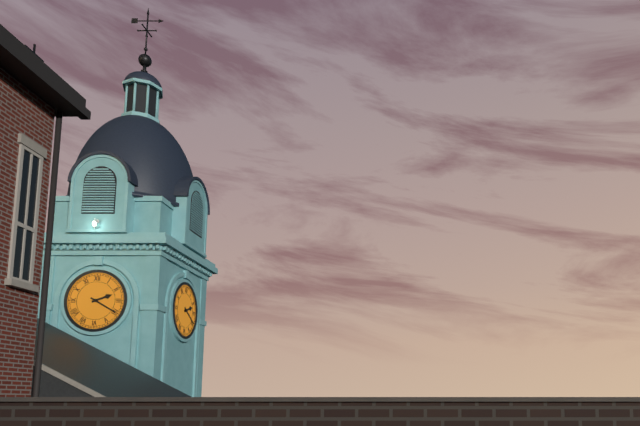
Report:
2,20
